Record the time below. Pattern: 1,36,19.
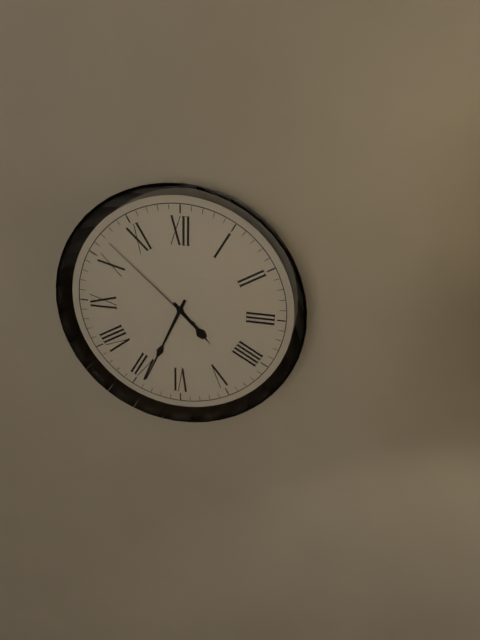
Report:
4,34,52
